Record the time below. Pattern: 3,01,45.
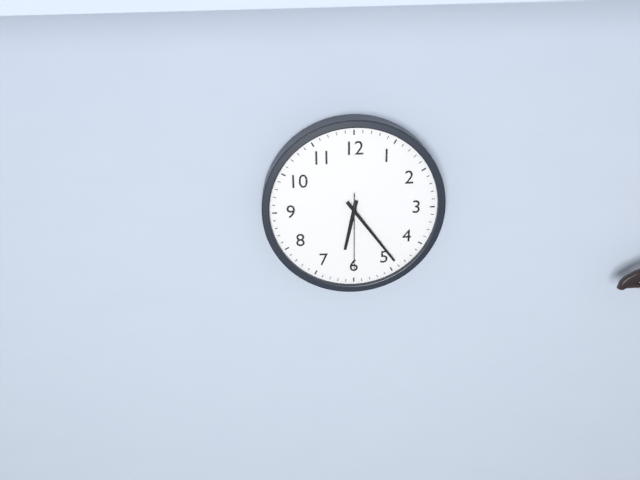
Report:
6,24,30
